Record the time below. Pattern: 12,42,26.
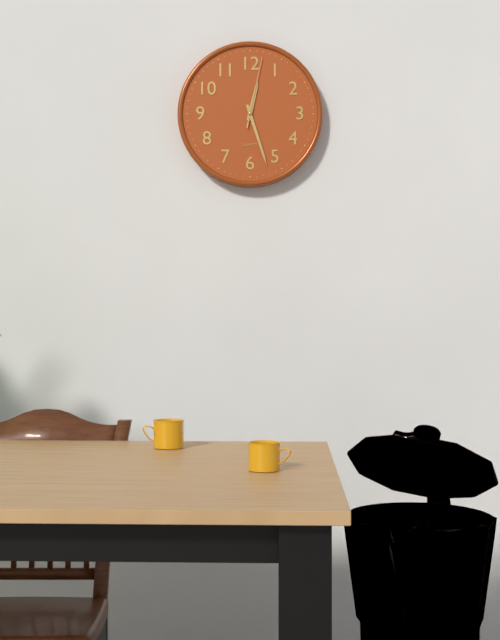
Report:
12,27,02
